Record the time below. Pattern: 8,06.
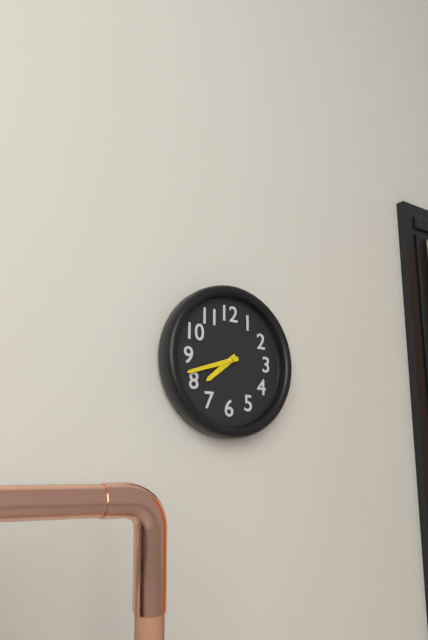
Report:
7,42
